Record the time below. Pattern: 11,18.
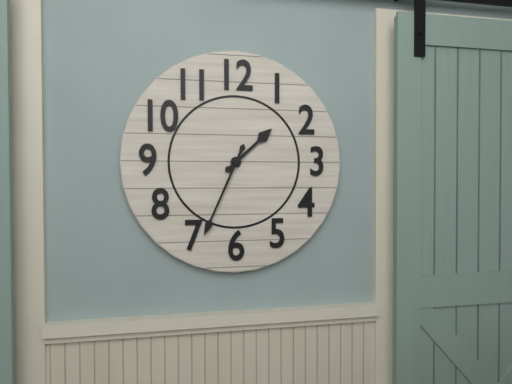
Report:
1,34
